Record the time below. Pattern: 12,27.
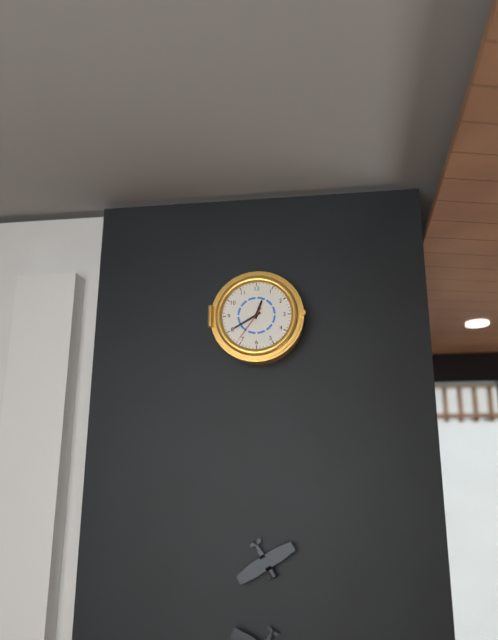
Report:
12,40
